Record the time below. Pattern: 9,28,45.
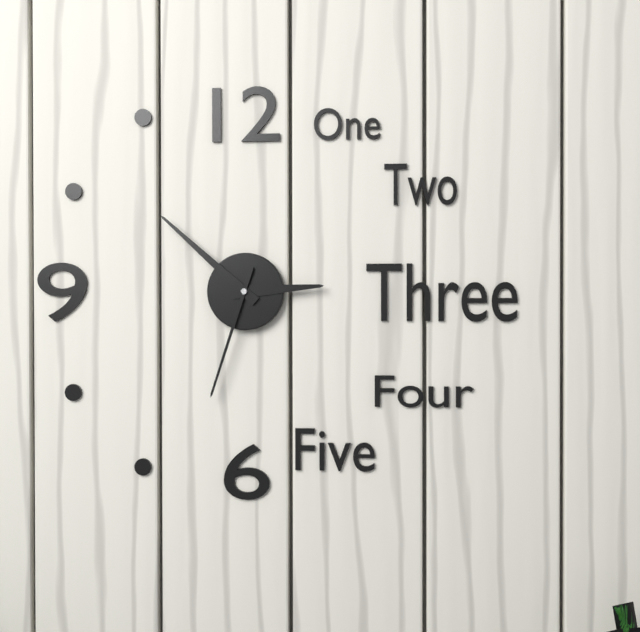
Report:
2,52,33
